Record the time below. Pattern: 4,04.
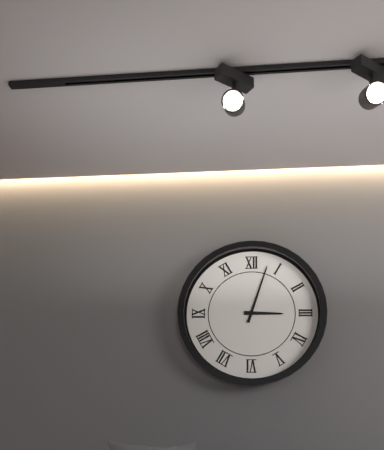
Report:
3,03
